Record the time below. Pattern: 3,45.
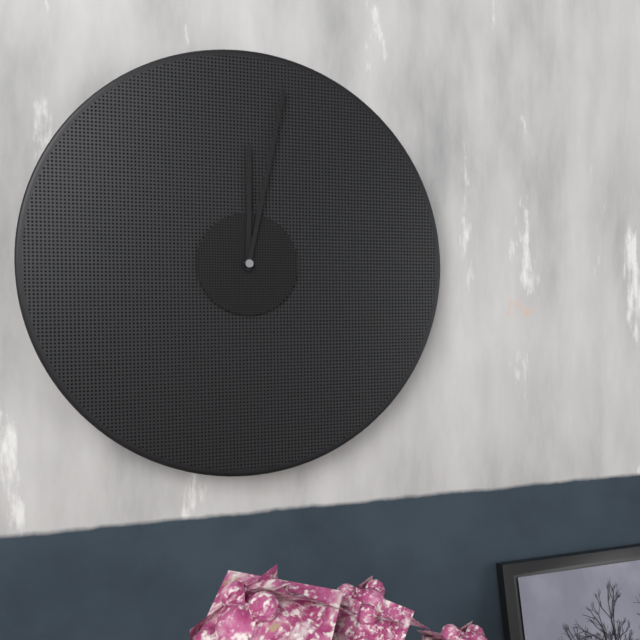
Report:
12,02
